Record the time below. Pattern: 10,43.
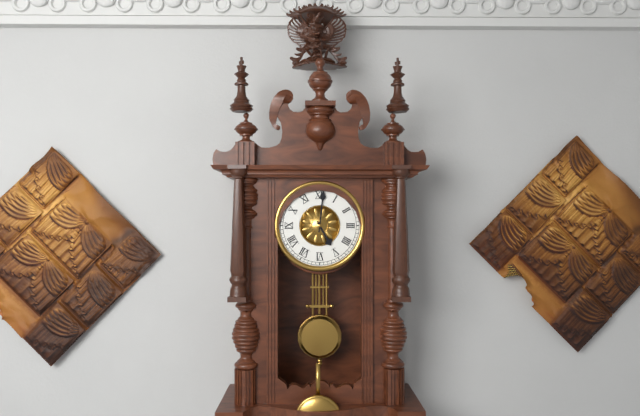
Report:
5,01
